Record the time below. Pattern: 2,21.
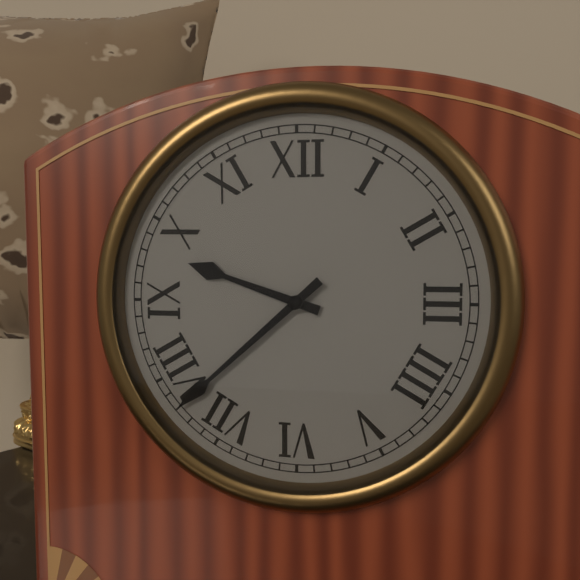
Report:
9,38
